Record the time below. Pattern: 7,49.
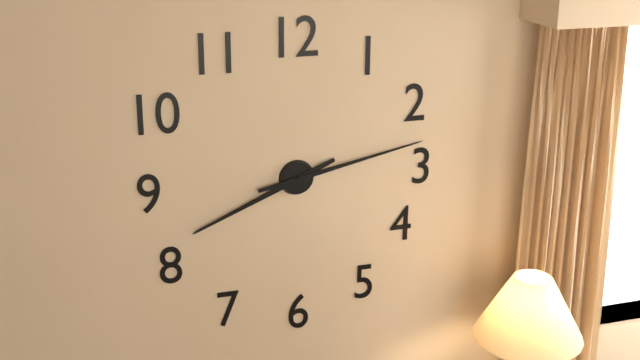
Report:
8,13
